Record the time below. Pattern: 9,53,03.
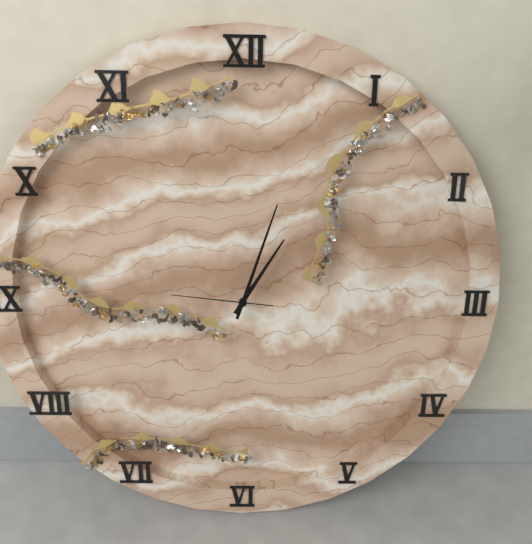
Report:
1,03,46
